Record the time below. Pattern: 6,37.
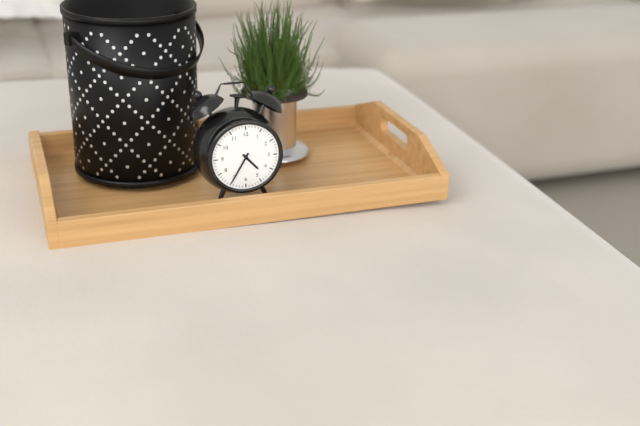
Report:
4,35
